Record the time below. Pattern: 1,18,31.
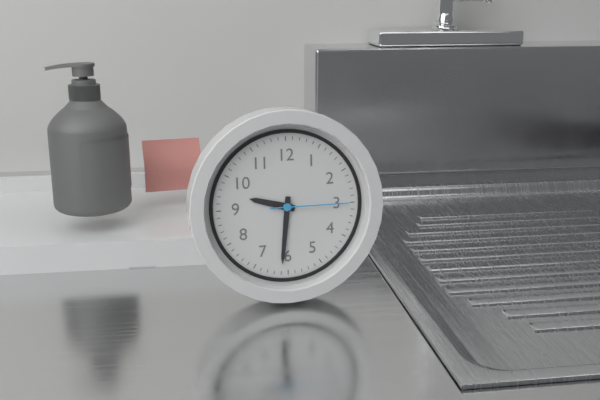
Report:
9,31,15
